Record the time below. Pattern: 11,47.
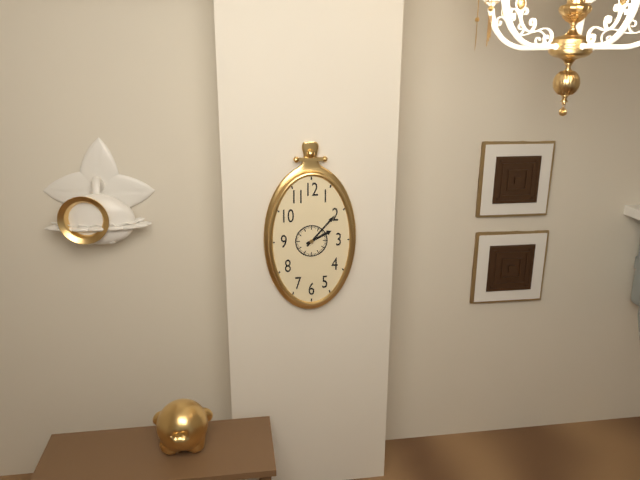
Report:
2,07
